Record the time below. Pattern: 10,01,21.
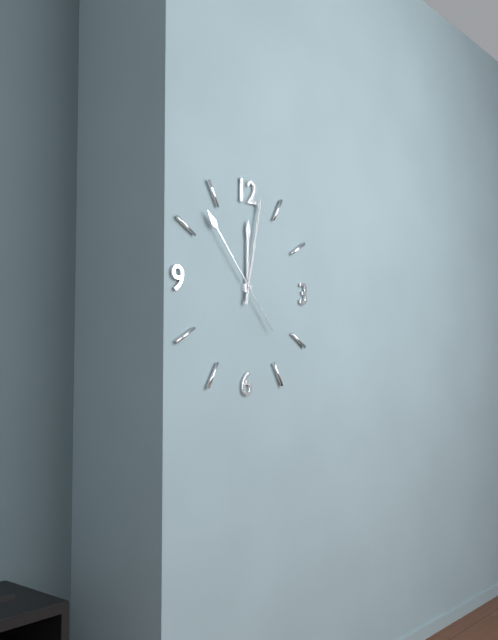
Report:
12,02,53
